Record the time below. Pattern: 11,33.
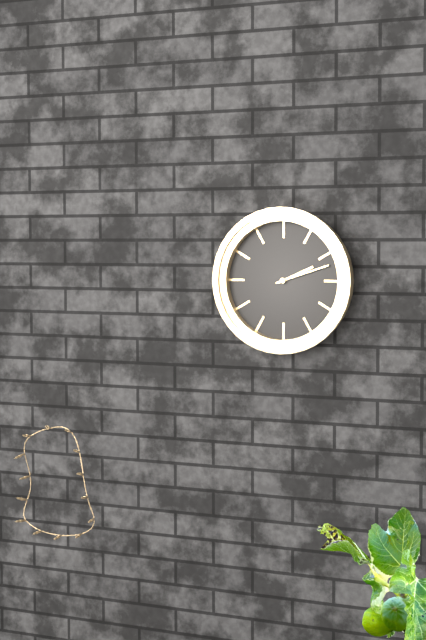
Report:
2,12
